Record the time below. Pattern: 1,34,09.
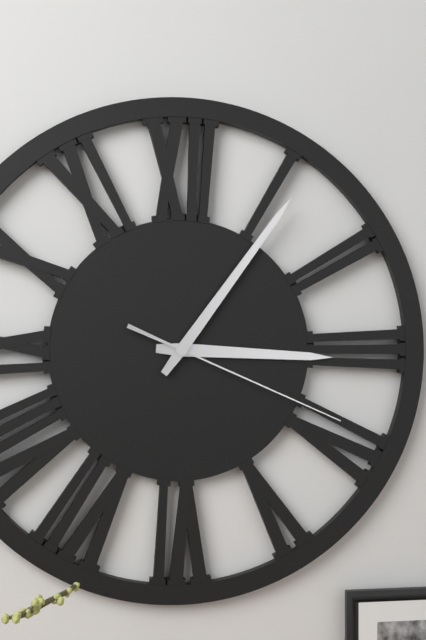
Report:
3,06,19
